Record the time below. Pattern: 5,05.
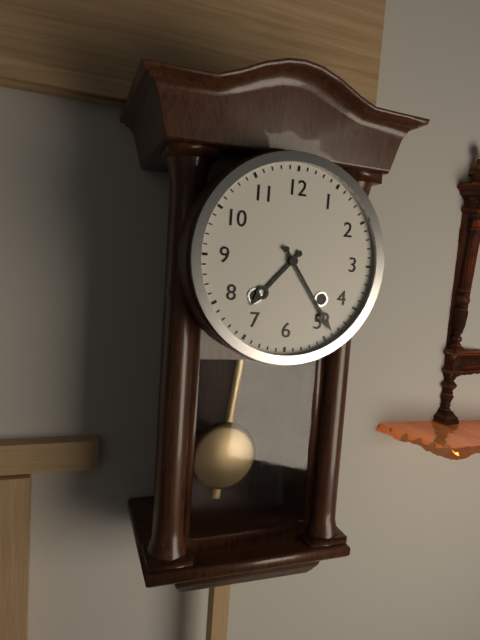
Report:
7,24
